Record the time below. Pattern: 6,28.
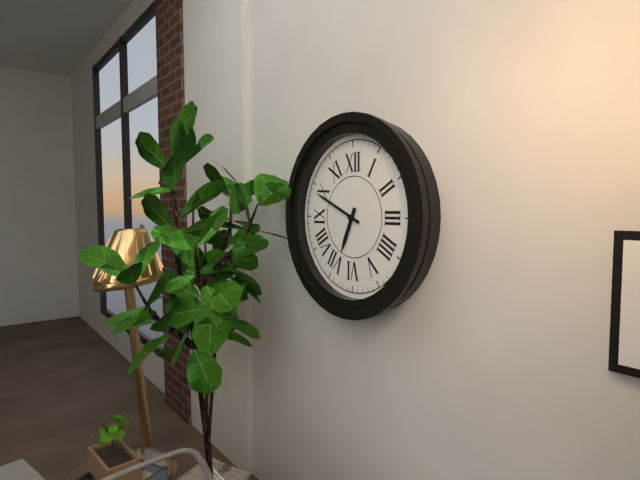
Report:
6,49
